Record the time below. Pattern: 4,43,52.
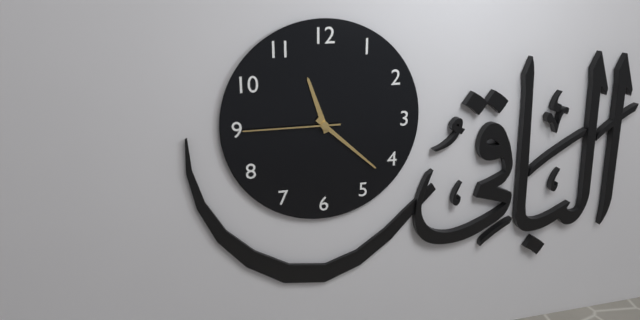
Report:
11,22,45
